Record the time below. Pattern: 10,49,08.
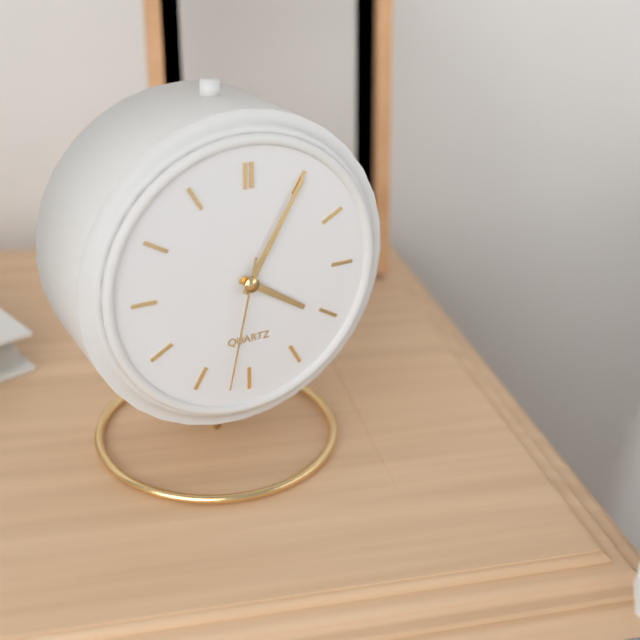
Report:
4,05,32
